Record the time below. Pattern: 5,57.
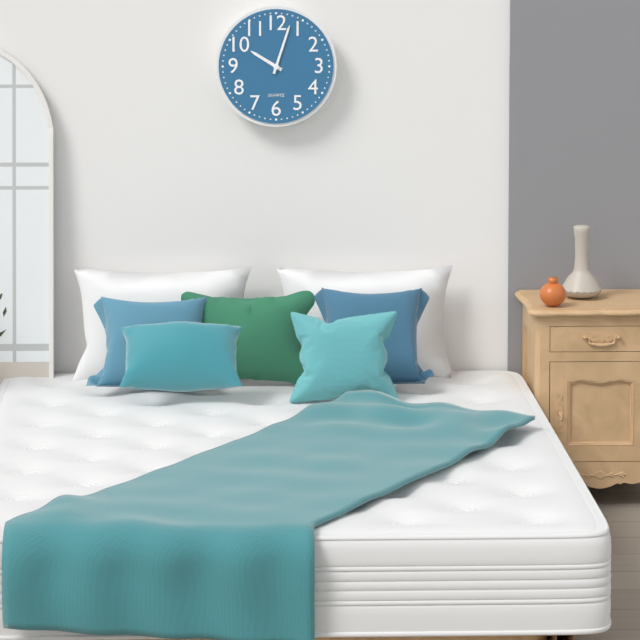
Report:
10,03
